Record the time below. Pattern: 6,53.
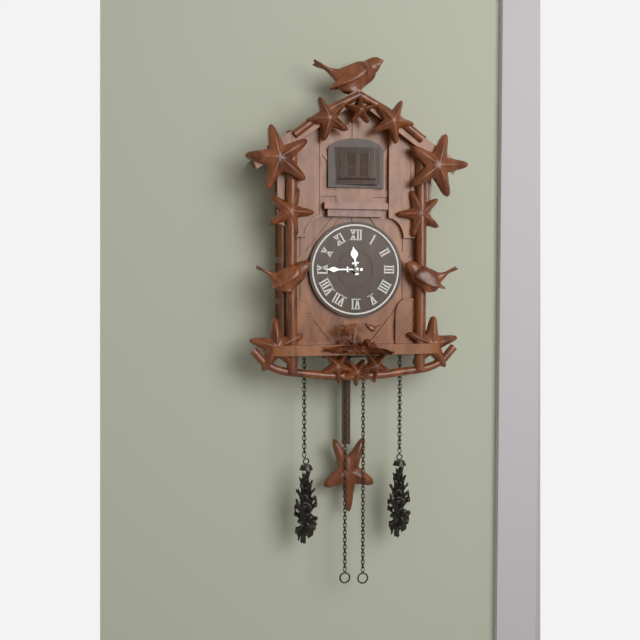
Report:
11,45
